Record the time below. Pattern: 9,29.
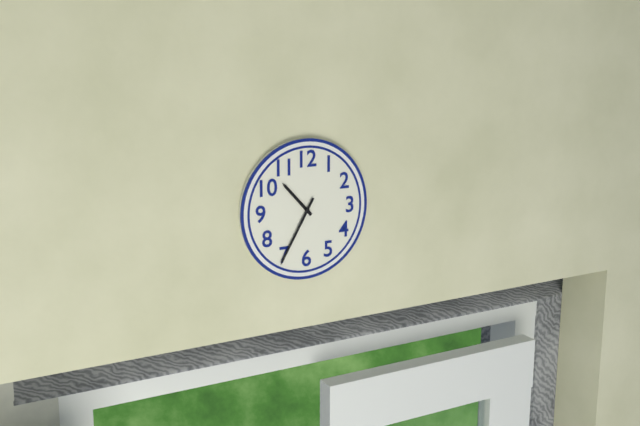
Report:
10,35
